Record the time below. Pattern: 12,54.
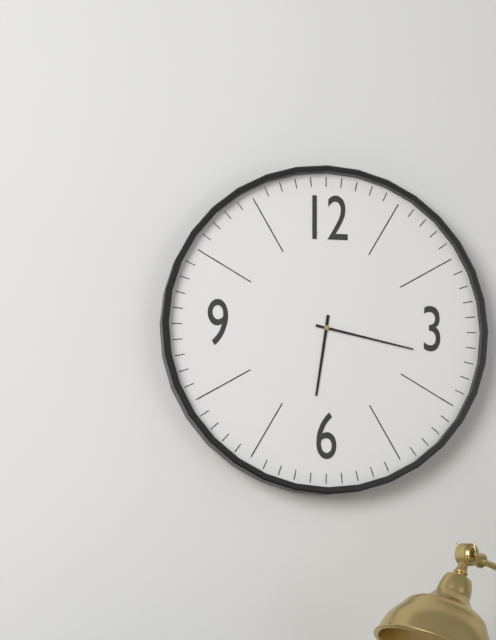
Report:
6,17
